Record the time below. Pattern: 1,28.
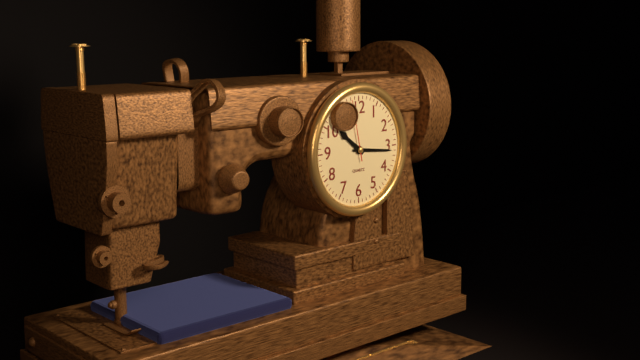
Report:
10,16
